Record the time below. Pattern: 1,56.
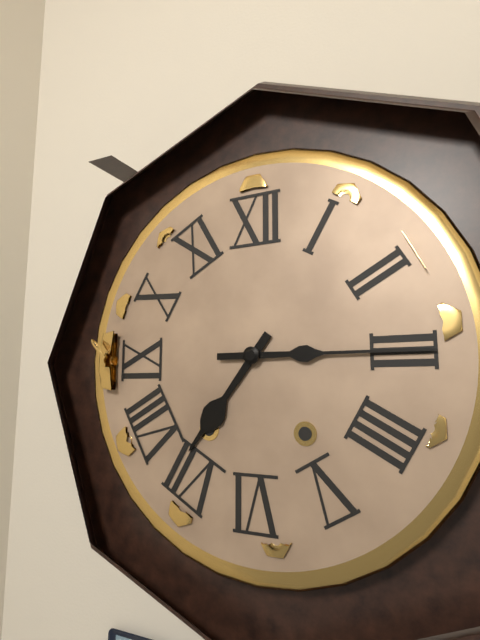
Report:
7,15
